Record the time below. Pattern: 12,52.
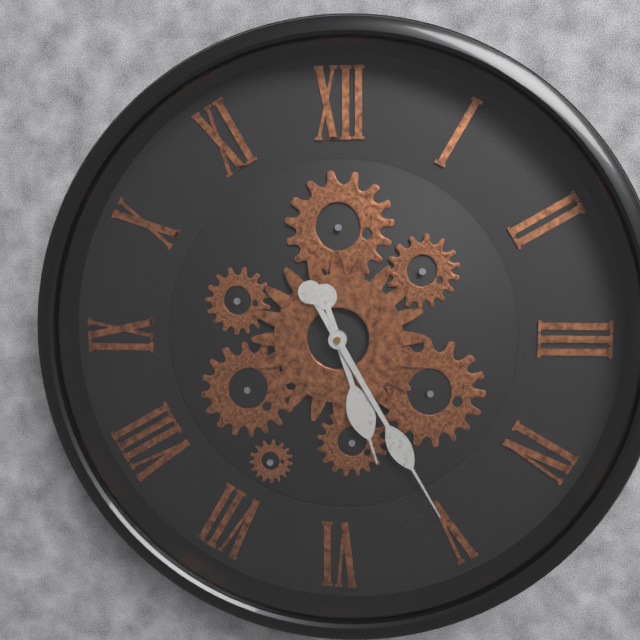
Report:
5,25
